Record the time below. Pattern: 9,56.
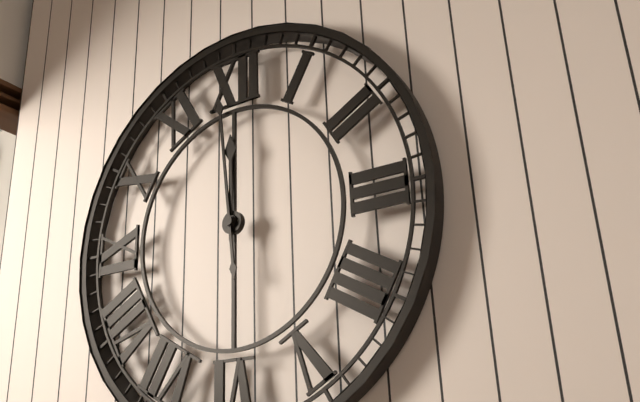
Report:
11,59
